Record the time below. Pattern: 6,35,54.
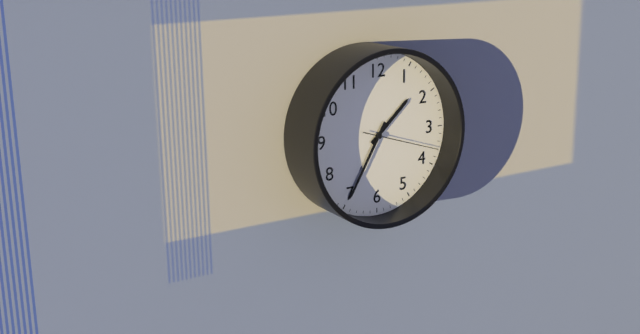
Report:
1,35,18
